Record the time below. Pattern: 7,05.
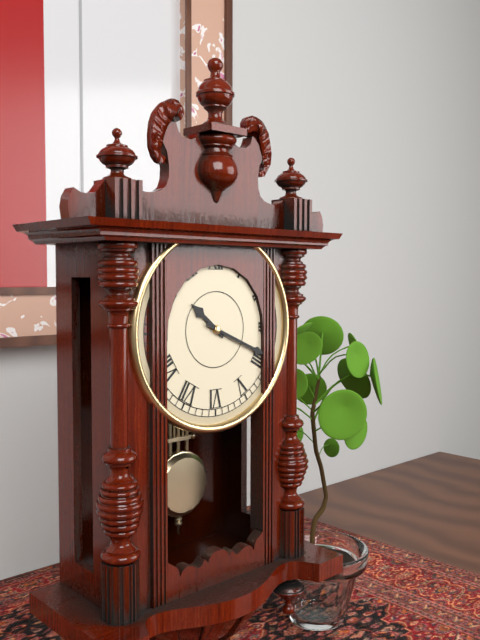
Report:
10,19
